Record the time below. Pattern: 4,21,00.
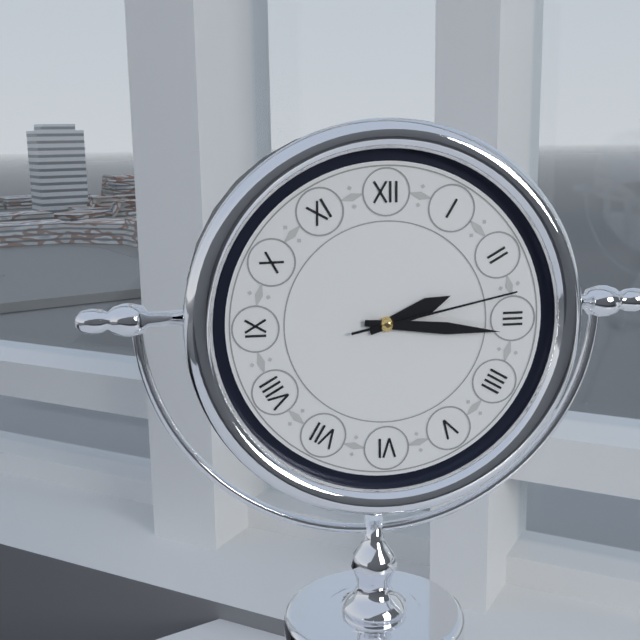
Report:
2,16,13
